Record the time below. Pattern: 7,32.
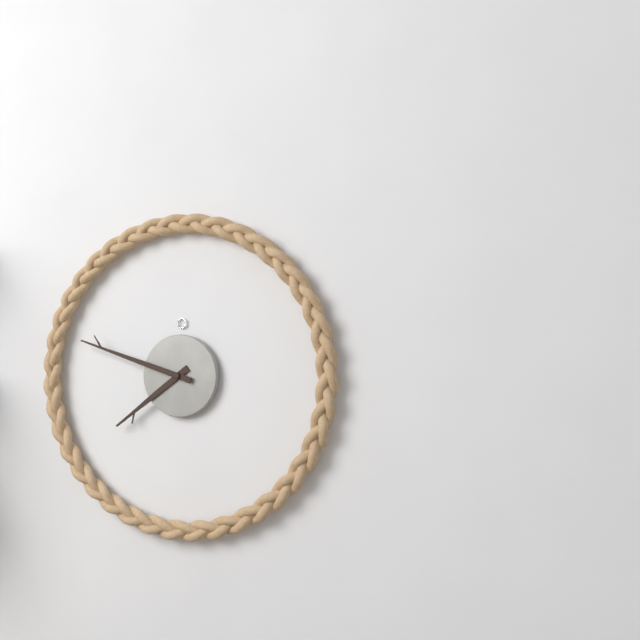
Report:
7,48
